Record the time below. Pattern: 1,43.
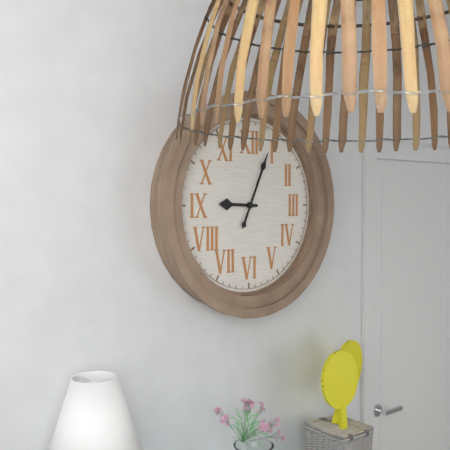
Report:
9,04
